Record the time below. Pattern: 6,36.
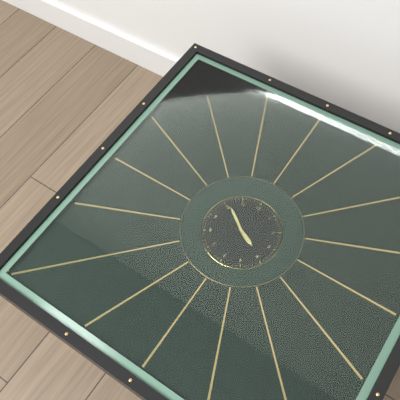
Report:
3,51
